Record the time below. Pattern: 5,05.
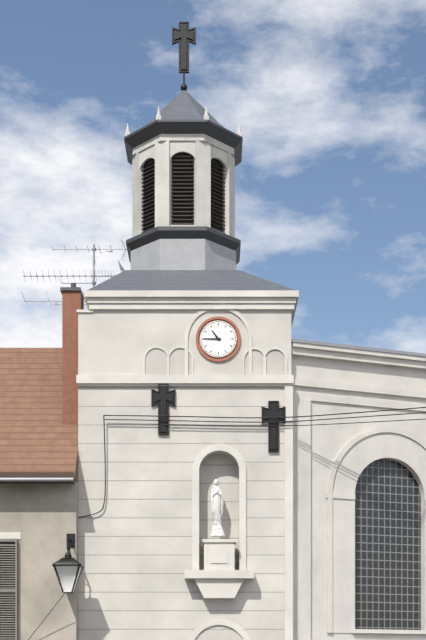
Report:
10,45
